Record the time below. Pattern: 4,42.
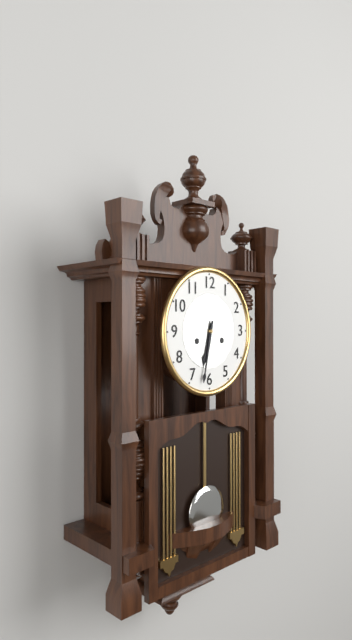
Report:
6,32
